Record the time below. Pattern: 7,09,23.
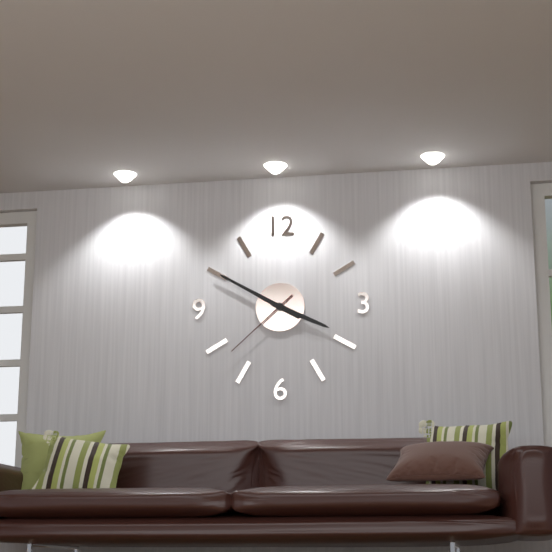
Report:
3,50,38
